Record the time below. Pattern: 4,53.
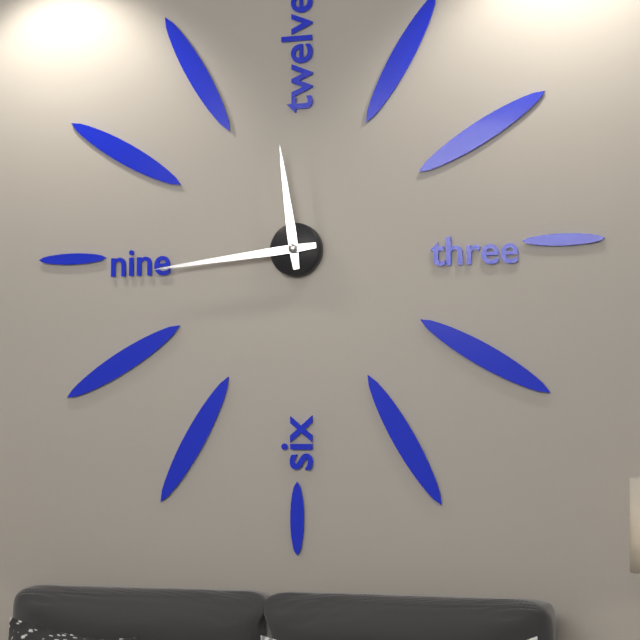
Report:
11,44
